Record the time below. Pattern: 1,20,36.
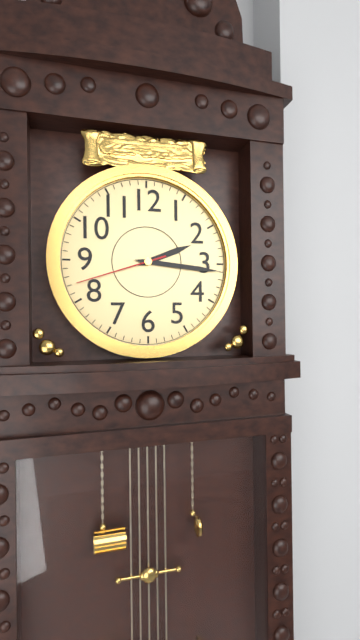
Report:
2,16,42
